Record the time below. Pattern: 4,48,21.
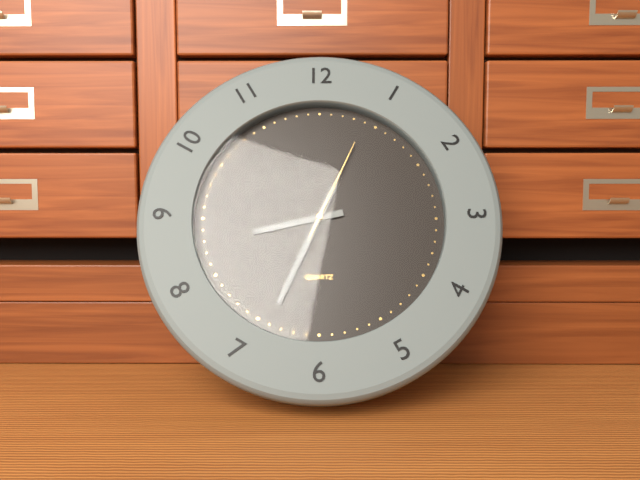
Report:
8,34,04
